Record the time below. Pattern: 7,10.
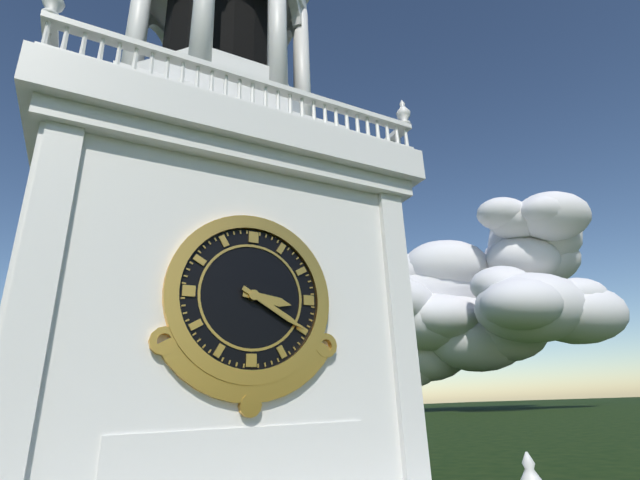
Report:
3,20
